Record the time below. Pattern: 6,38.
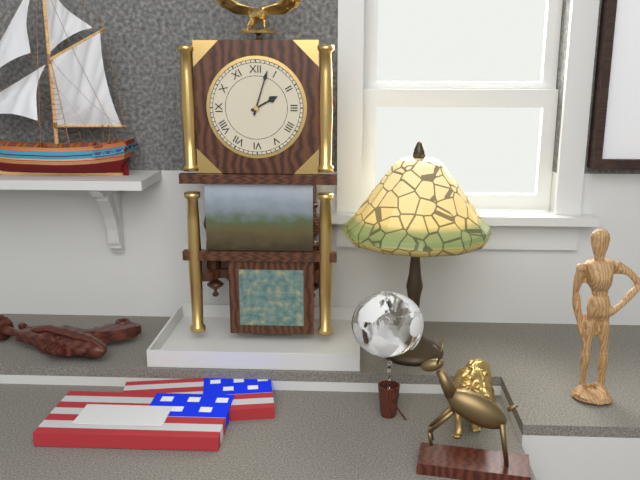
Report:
2,03
